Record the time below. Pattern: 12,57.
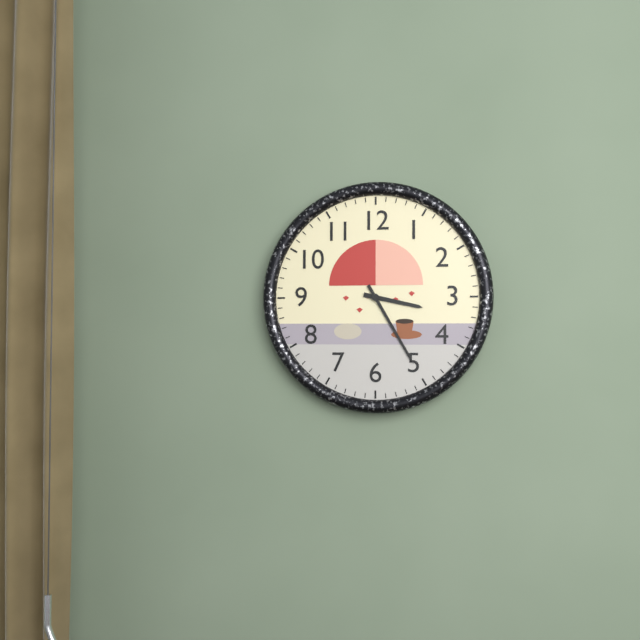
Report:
3,25
